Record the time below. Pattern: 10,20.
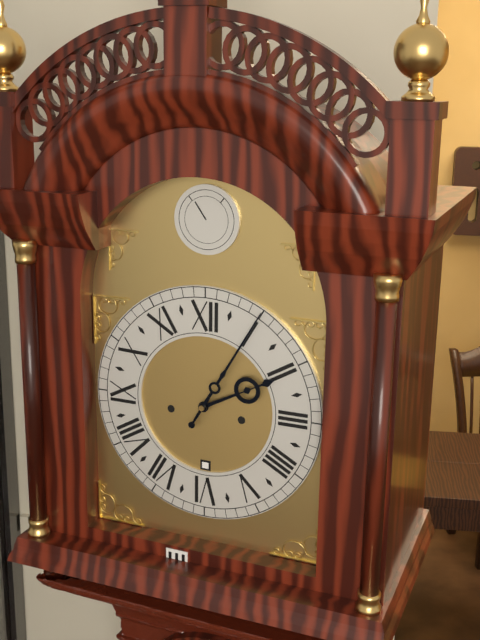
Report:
2,05
